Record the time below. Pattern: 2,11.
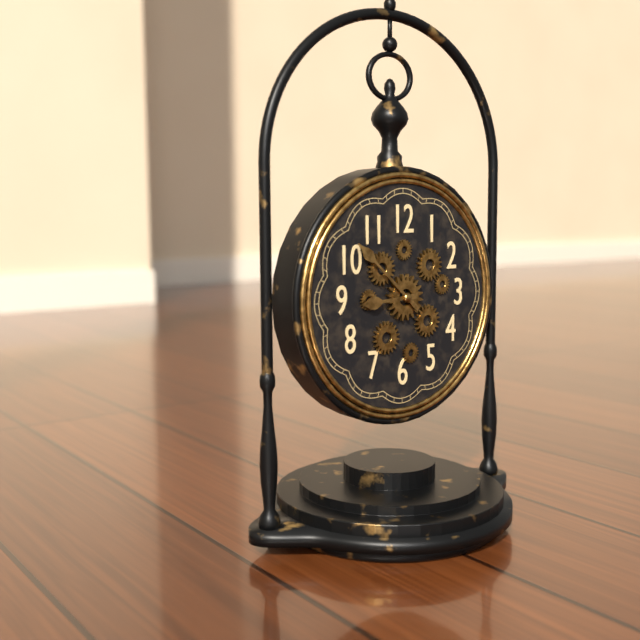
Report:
8,52
